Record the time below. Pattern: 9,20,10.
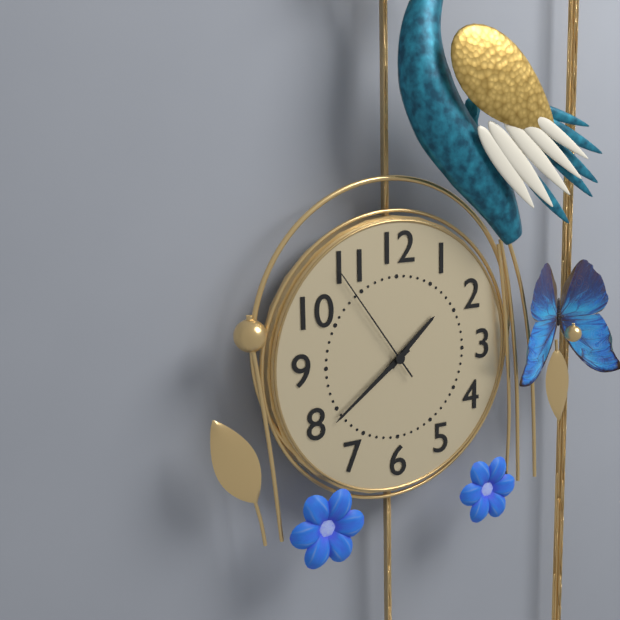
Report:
1,39,54
